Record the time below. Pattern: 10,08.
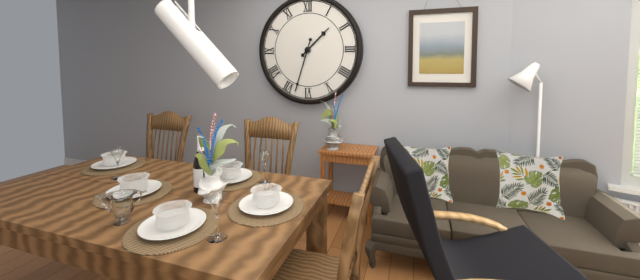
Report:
1,33
